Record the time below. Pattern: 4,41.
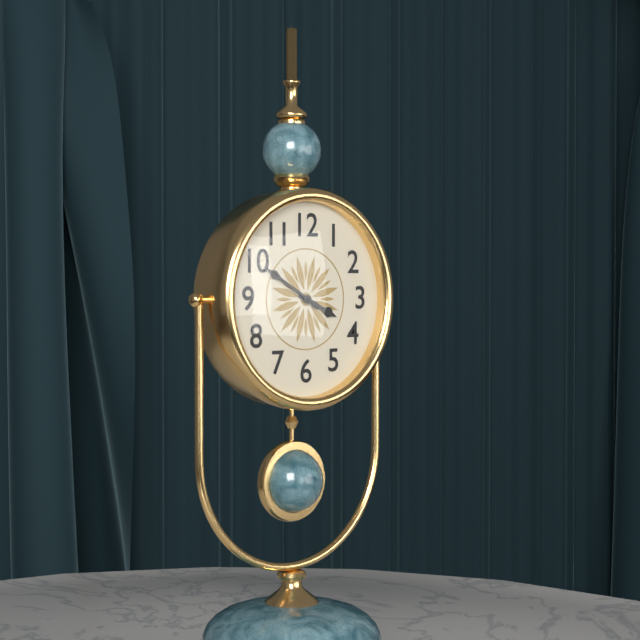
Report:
3,50
